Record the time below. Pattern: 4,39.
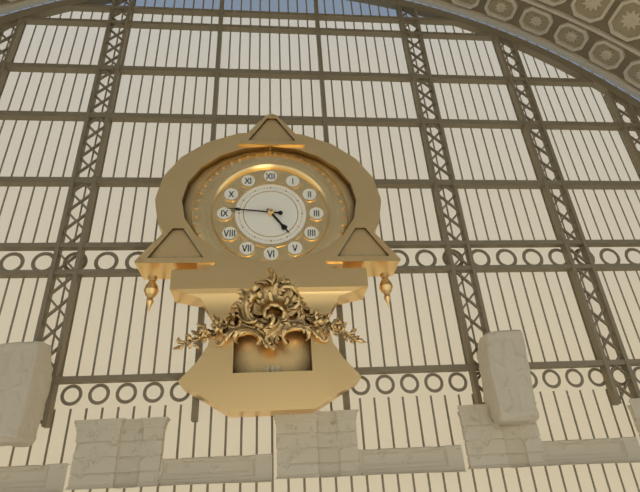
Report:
4,46
